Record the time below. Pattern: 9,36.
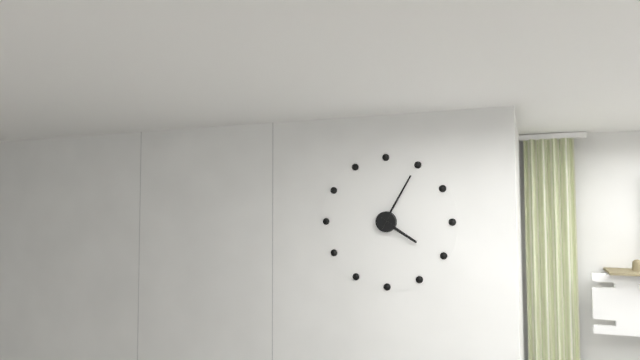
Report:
4,05
